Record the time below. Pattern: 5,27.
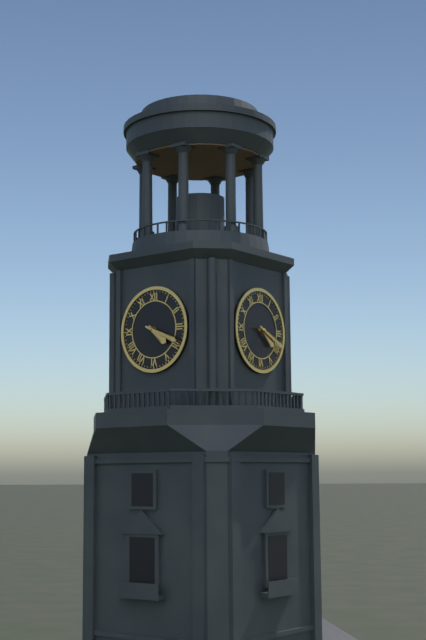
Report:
4,19
